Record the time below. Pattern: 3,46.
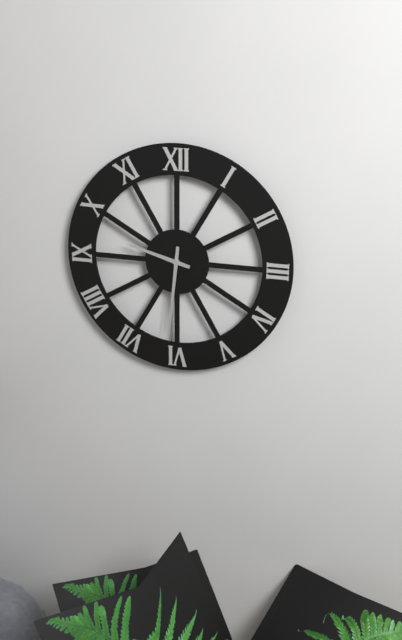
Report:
9,31
